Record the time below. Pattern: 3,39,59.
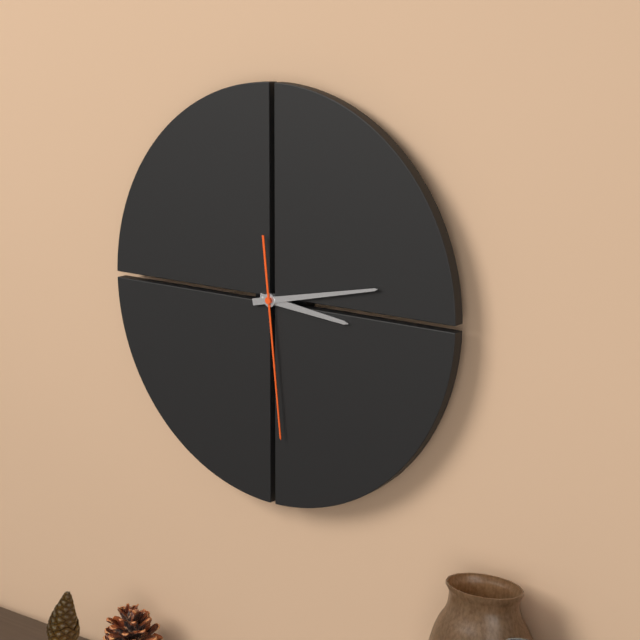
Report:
3,13,29
